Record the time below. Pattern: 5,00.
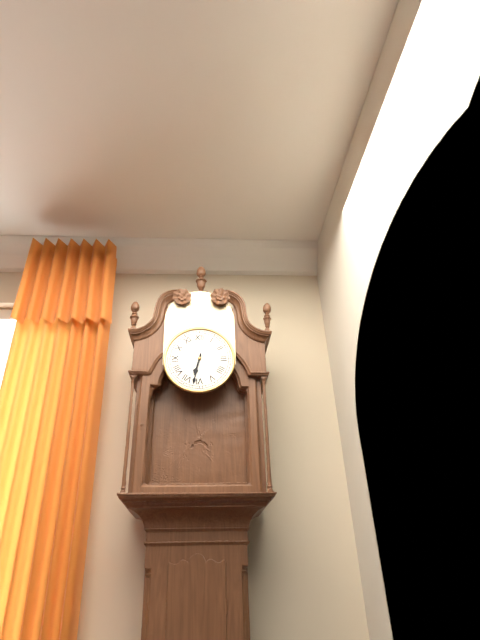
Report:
6,32
